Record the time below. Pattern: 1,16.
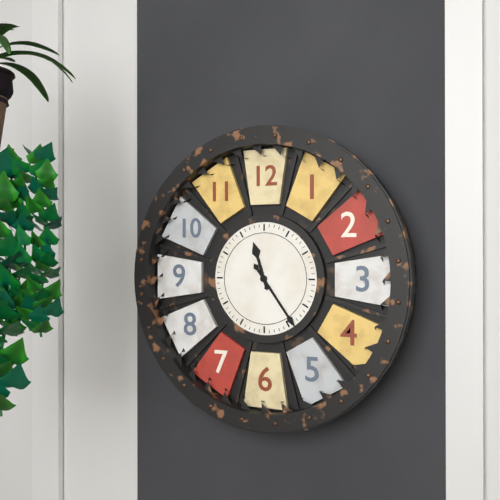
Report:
11,24
